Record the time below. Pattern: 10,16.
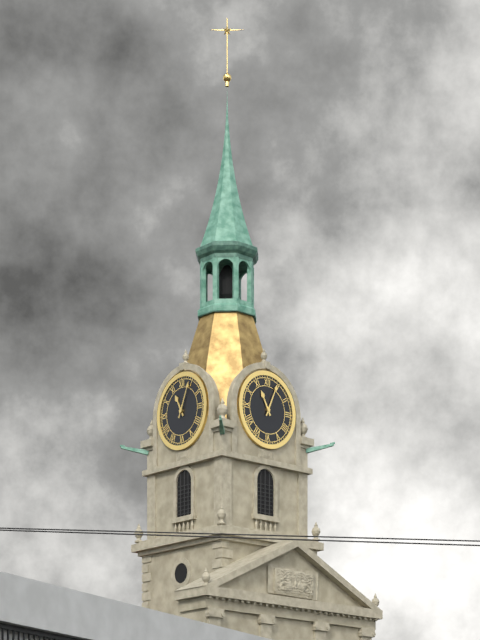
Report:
11,04
